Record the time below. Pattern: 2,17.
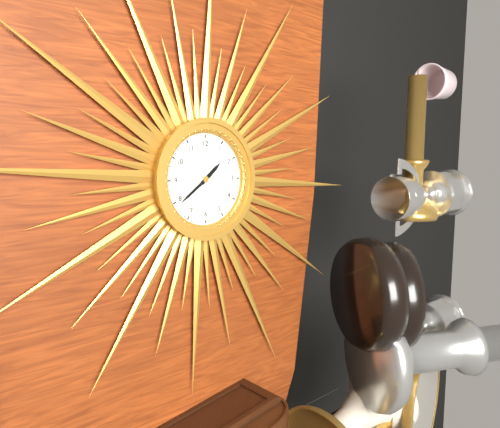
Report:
1,39
